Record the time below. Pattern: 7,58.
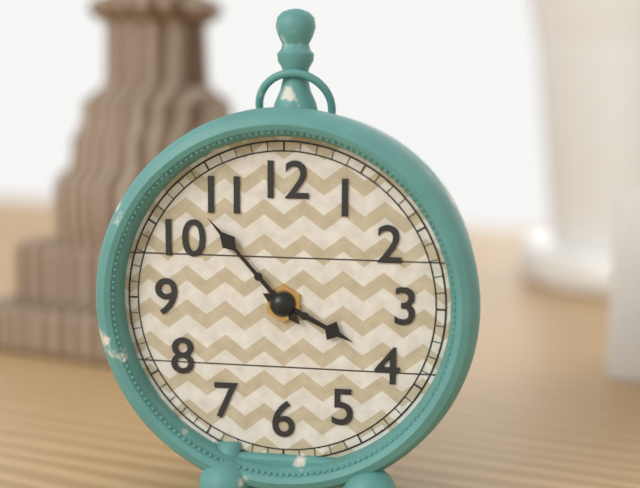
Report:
3,53
